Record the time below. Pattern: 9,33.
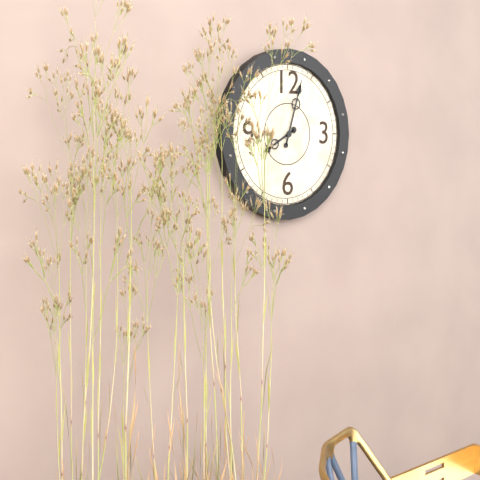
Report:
8,03
